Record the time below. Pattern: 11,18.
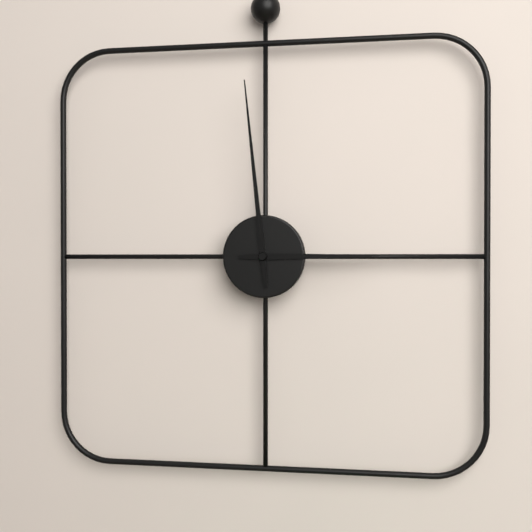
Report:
2,59
